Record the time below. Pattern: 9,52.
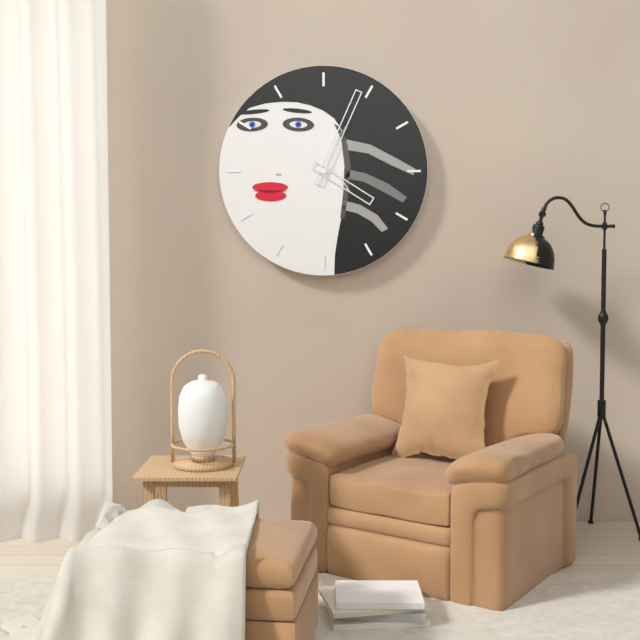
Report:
4,04
